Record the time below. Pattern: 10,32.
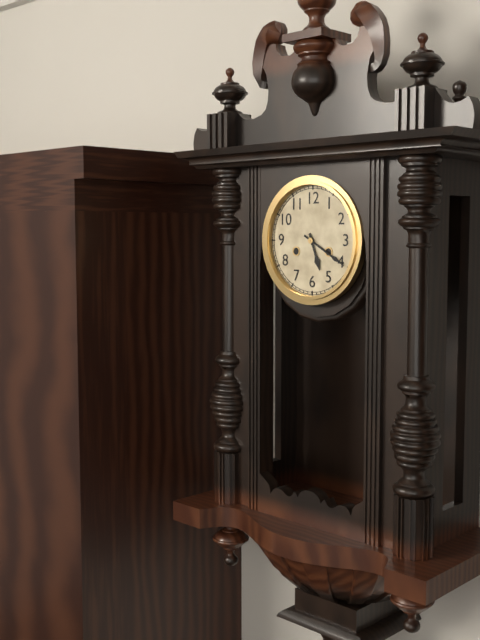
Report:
5,20
